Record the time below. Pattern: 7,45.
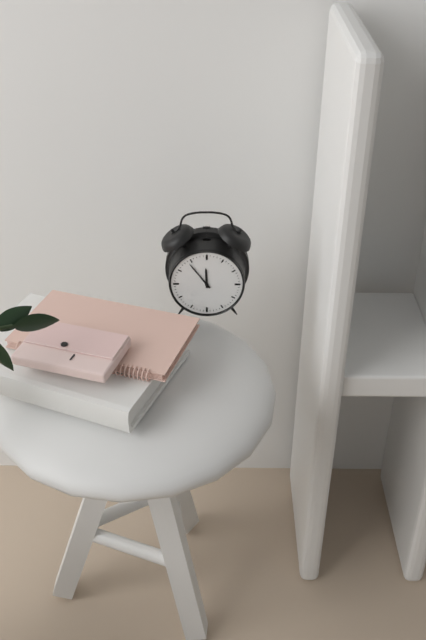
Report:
11,54
